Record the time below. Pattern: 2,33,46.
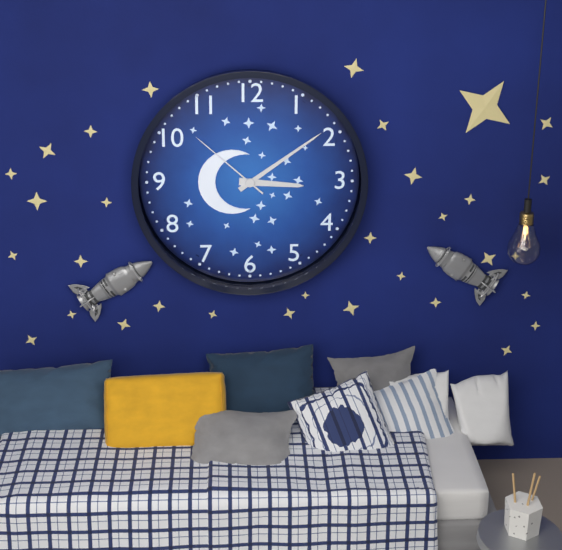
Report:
3,09,52
